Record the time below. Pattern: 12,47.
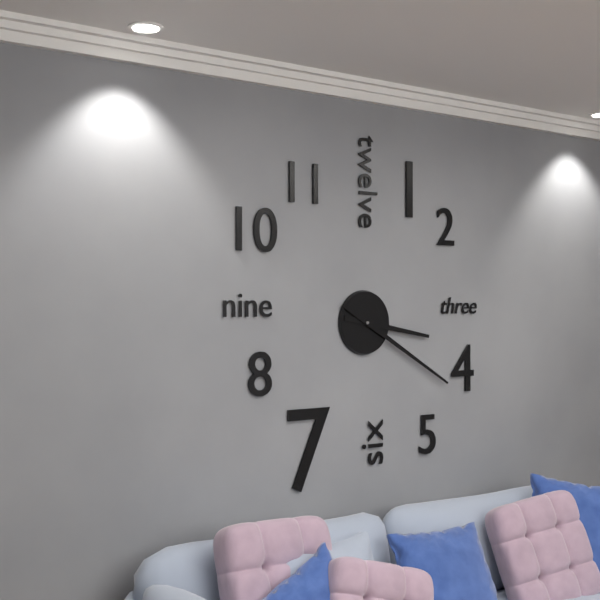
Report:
3,20
